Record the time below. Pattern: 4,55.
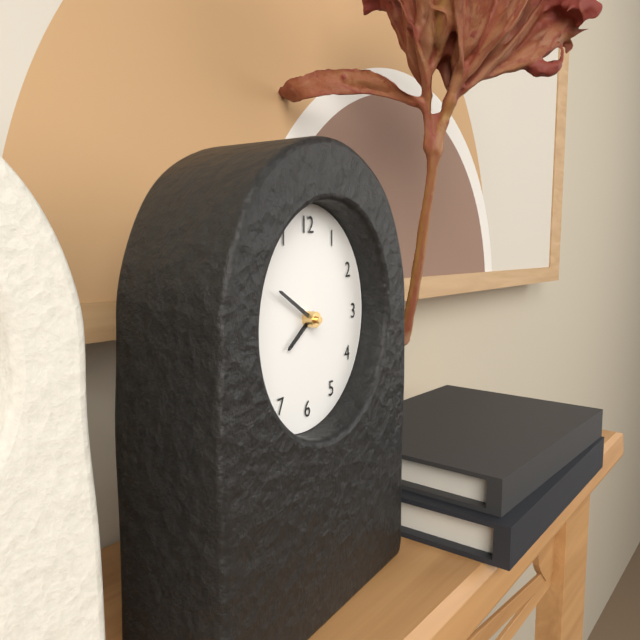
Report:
7,50
